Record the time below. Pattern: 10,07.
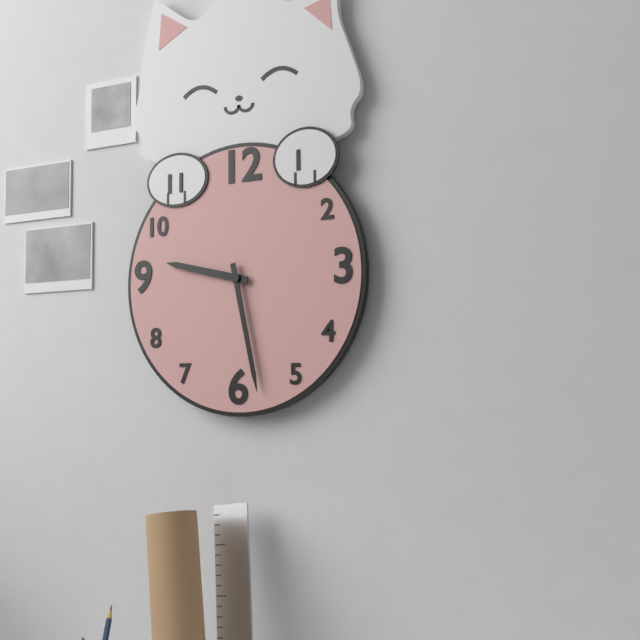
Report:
9,28
